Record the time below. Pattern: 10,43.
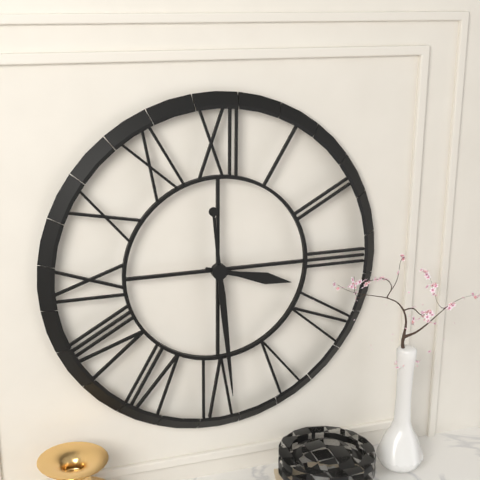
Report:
3,29
